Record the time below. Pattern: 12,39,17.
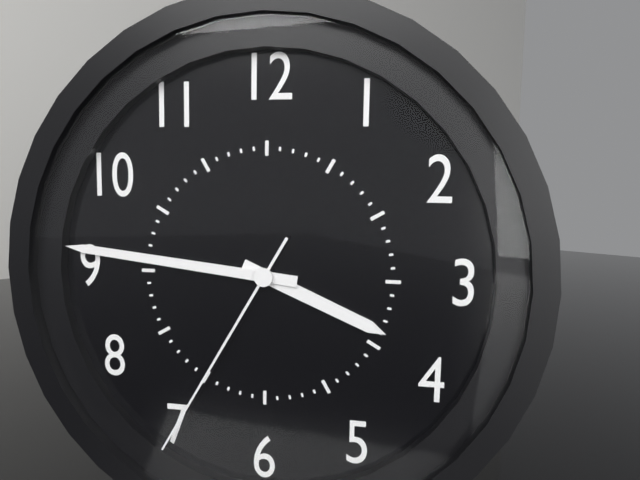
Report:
3,46,35
